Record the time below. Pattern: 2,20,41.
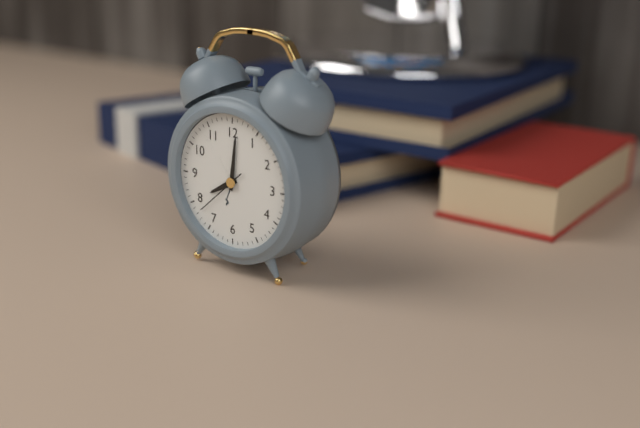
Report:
8,01,38
